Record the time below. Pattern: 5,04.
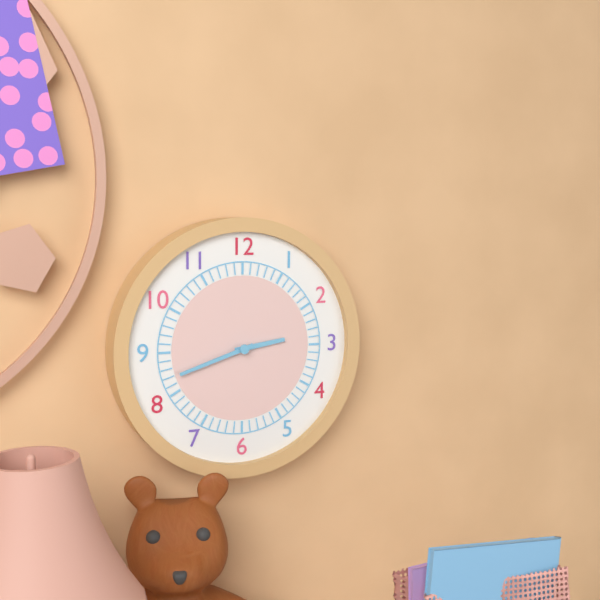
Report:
2,42
